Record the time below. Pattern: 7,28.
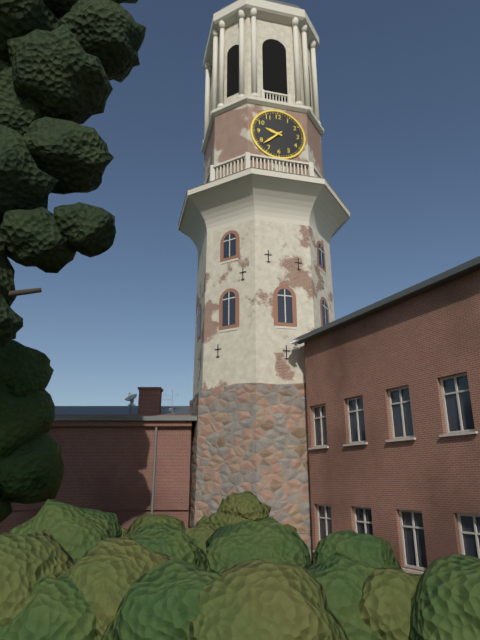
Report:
9,38
